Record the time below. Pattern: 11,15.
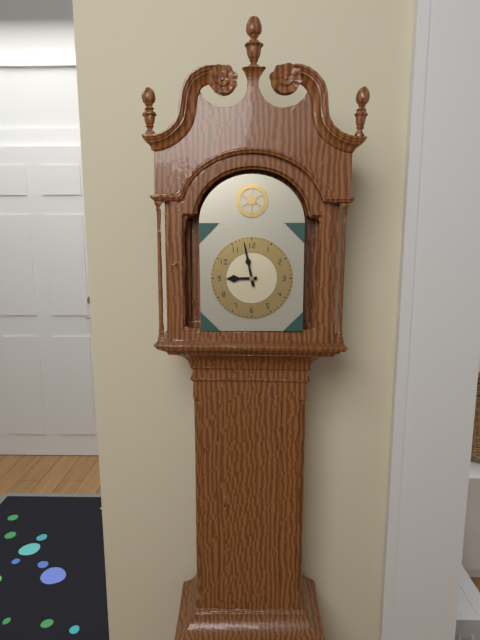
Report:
8,58
